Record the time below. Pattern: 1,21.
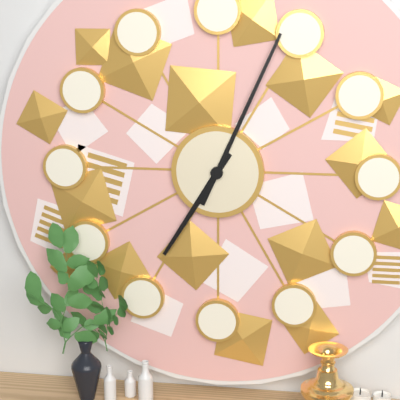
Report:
7,04
